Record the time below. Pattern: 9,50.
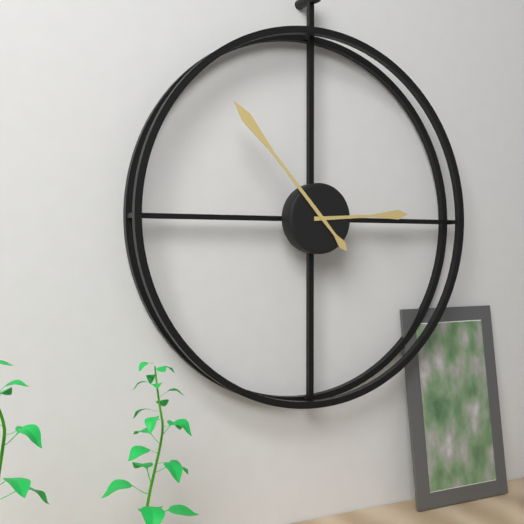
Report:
2,53
